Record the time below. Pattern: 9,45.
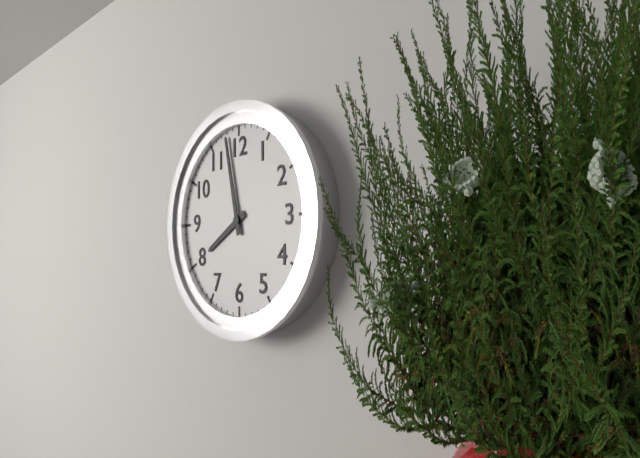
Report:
7,58
